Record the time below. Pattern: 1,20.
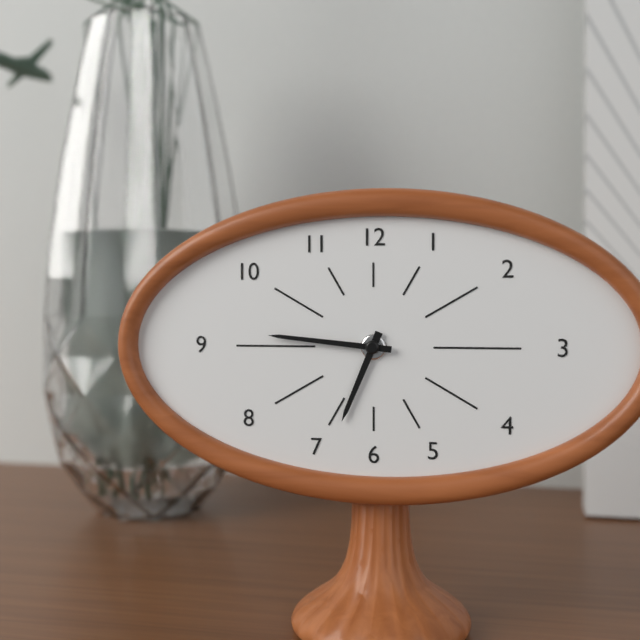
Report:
6,46
